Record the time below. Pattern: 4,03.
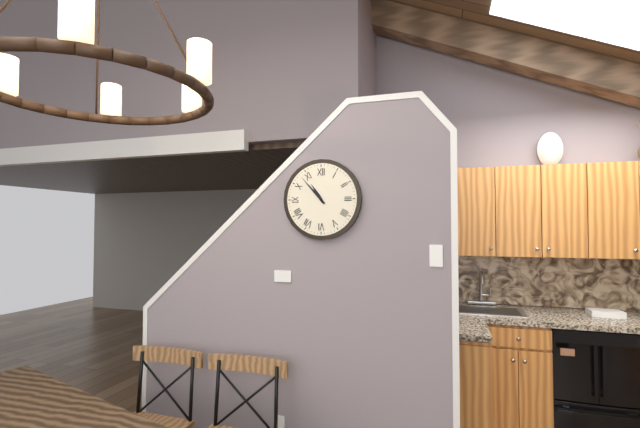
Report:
10,53
